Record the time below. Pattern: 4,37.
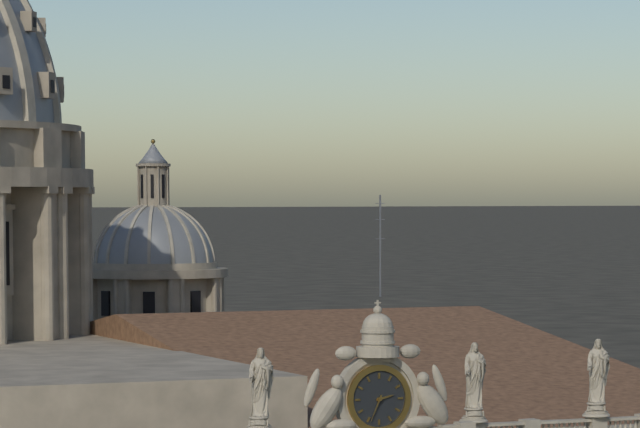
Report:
2,34
